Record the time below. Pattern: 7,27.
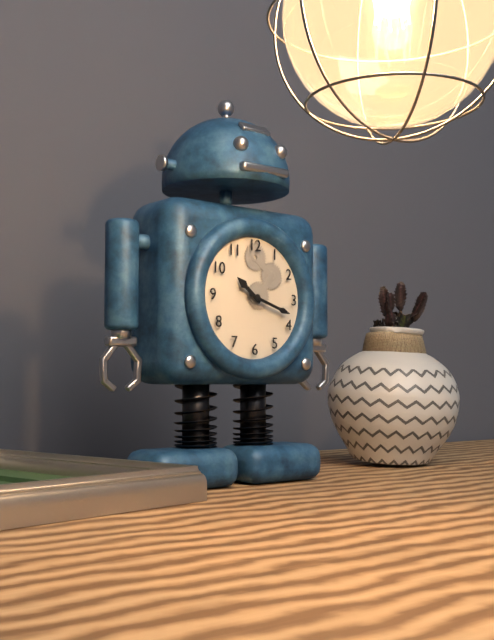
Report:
10,18
